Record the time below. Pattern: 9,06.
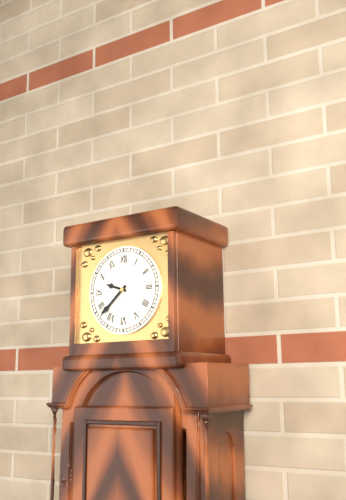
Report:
9,38
